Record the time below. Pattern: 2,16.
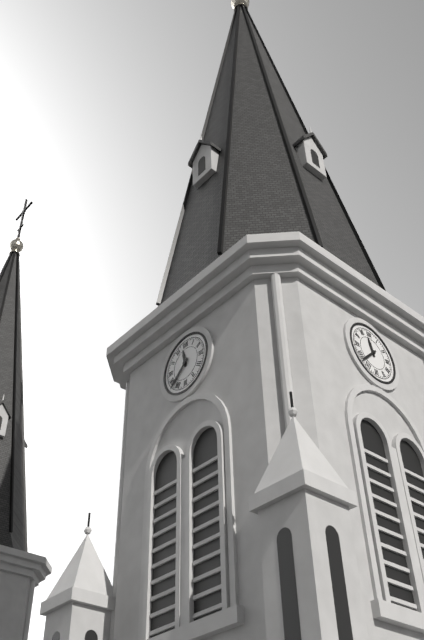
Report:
11,38
